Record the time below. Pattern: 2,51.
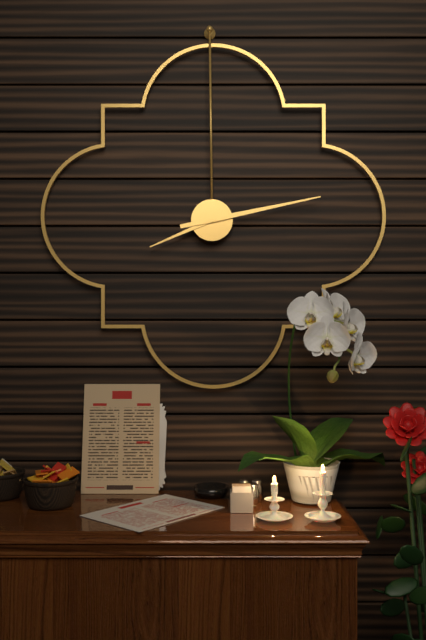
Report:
8,13
